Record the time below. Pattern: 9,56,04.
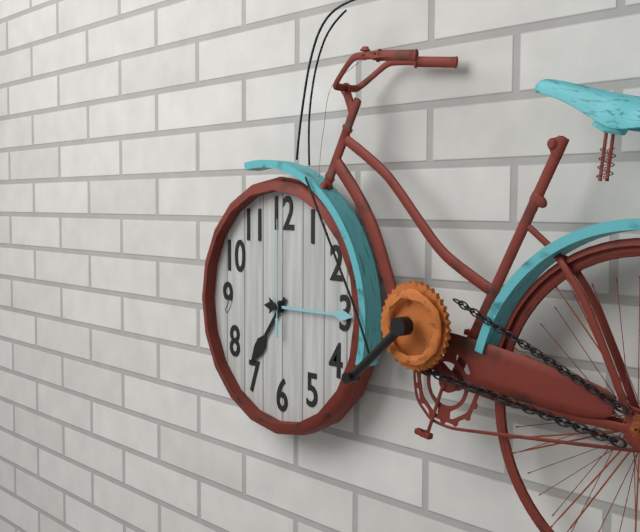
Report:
7,15,00
